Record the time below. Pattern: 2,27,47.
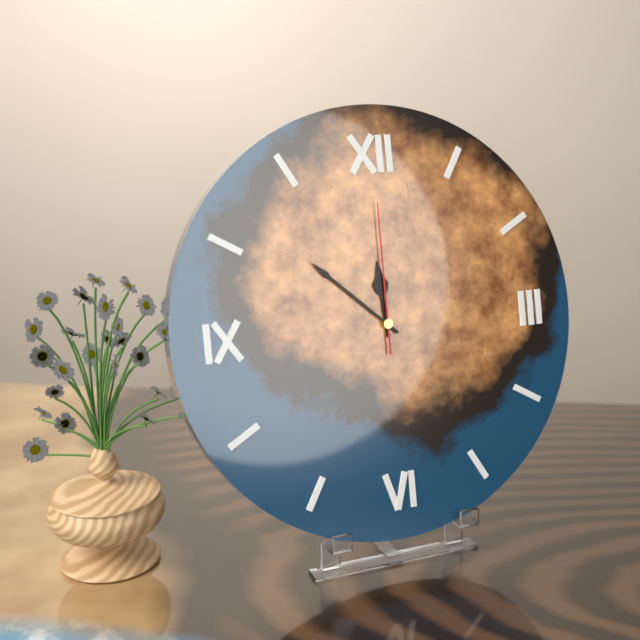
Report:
11,52,00
